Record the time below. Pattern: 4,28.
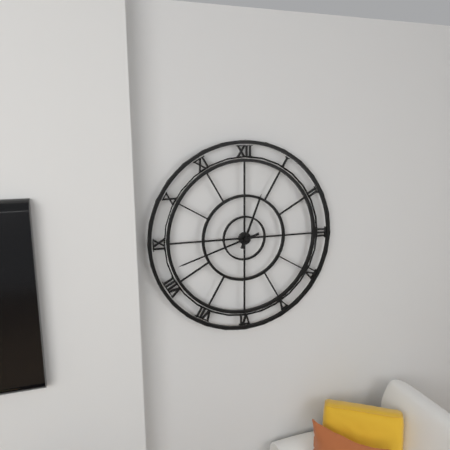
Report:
12,42
